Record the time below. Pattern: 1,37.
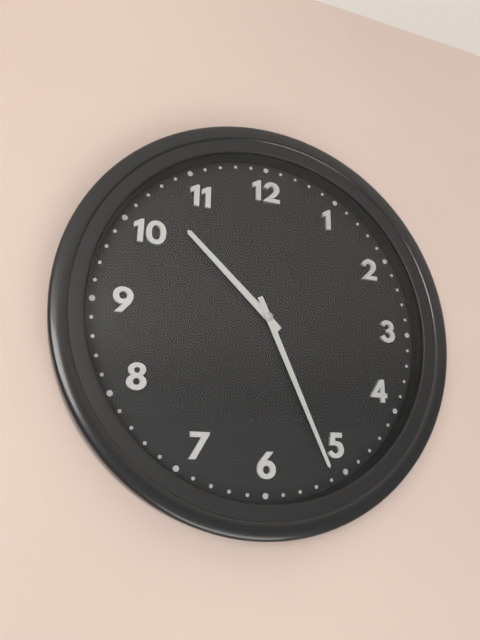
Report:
10,26
